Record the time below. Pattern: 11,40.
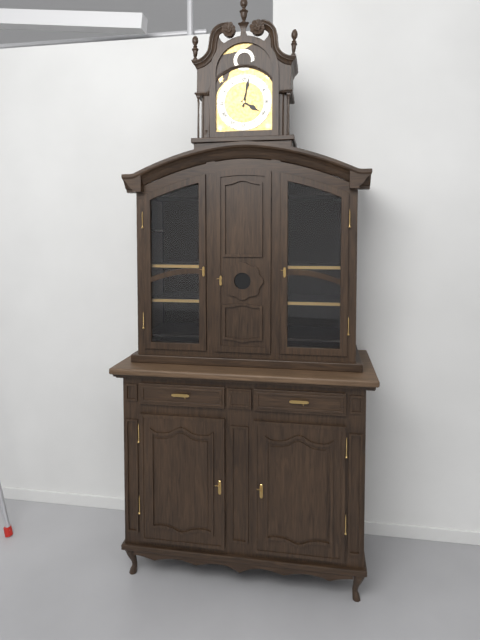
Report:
4,02
